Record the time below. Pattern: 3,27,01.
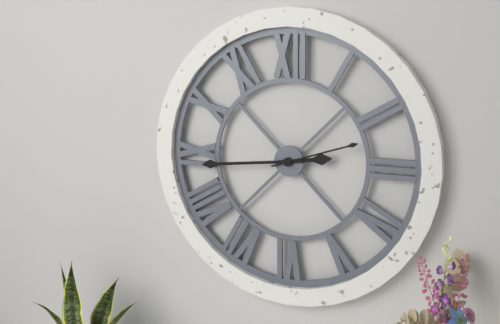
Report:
2,44,12
